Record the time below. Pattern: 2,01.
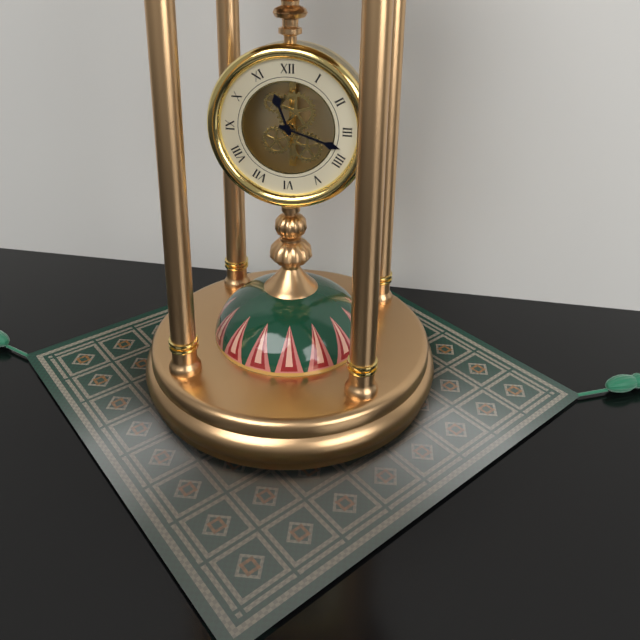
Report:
11,18
